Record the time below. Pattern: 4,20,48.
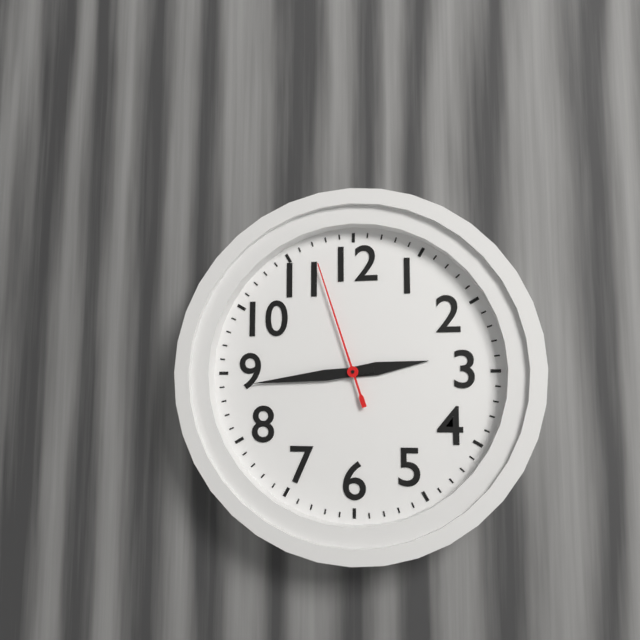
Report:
2,44,57
